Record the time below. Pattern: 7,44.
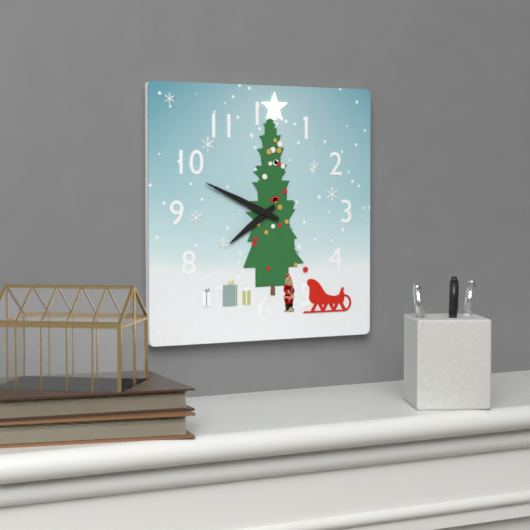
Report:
7,49
